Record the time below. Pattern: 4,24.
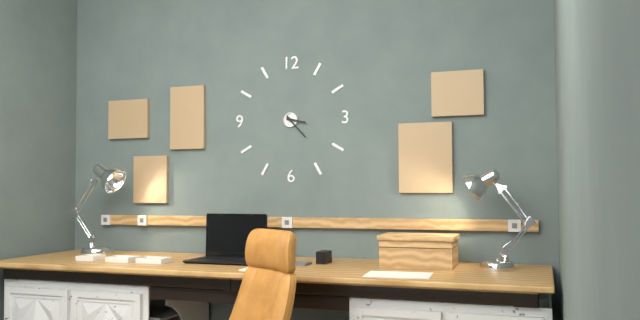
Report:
3,23
